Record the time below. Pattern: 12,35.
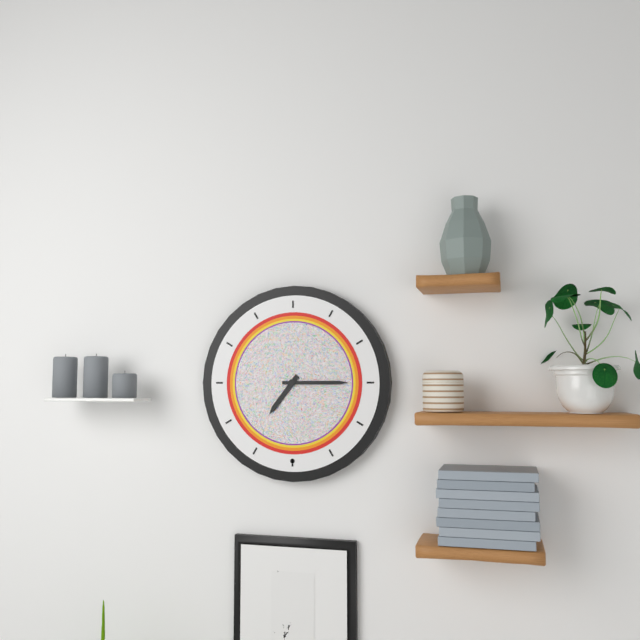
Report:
7,15
